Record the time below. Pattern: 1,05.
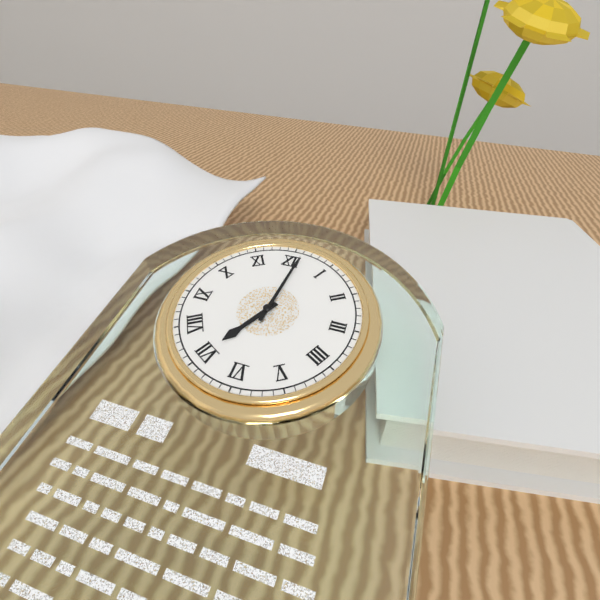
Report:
7,01
